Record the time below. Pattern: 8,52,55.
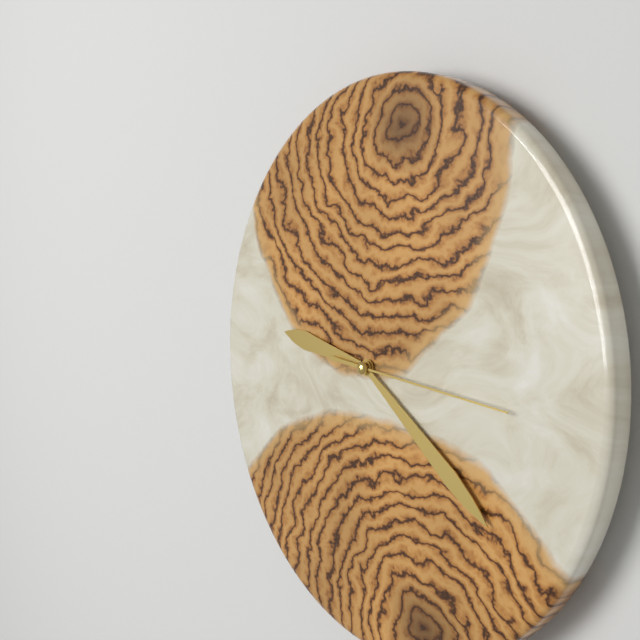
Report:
9,21,16
